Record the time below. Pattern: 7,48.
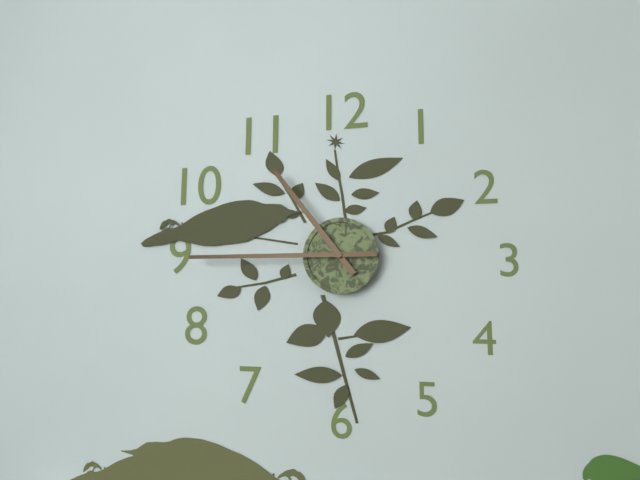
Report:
10,45
